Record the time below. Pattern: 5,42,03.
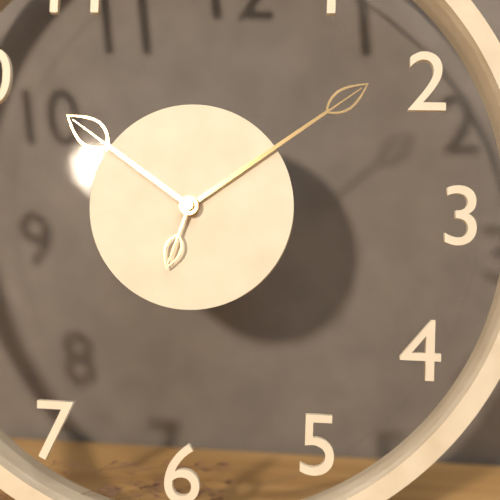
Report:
10,09,33
